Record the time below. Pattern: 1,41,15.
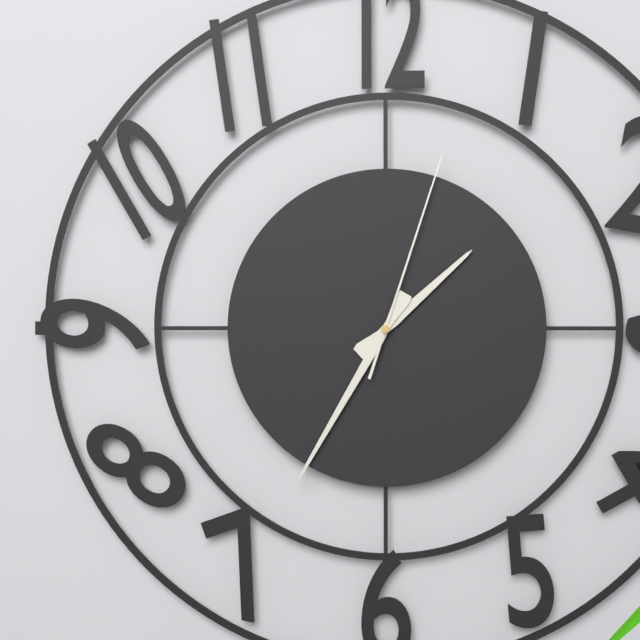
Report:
1,35,03
